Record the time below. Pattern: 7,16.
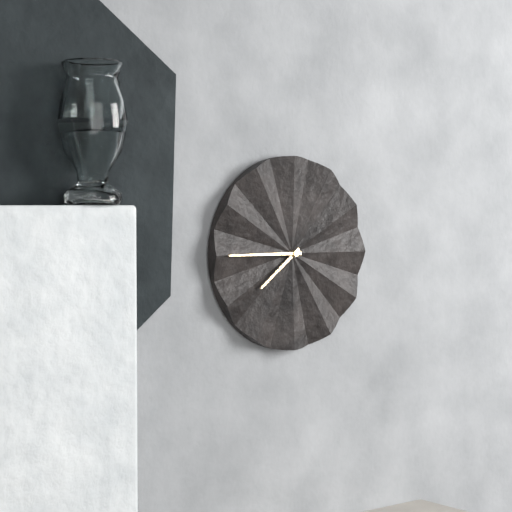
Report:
7,45
